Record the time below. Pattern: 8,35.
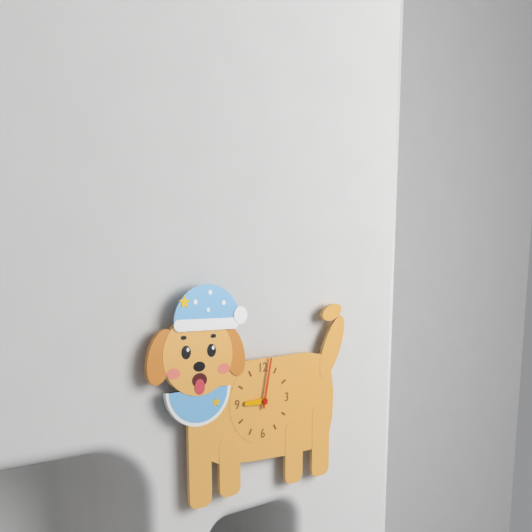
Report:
9,02
